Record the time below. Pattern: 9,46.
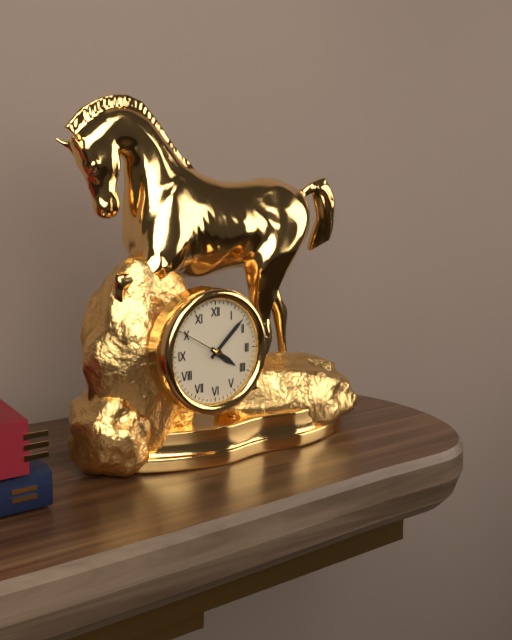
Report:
4,08
